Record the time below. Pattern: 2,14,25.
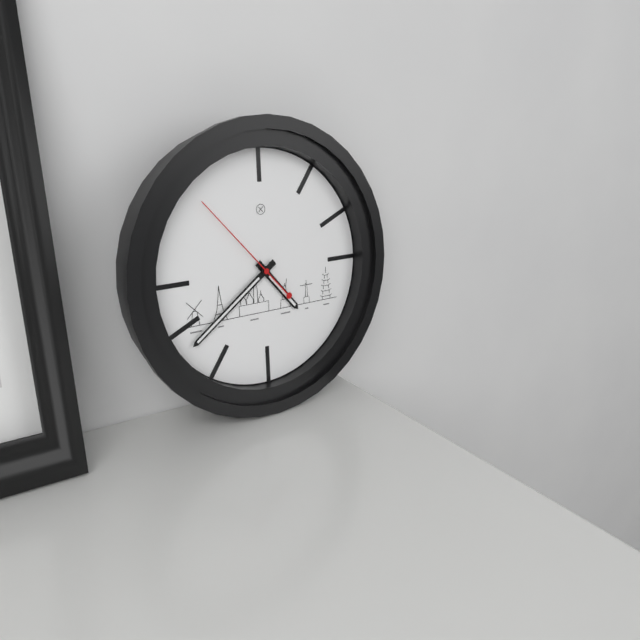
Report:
4,39,53
